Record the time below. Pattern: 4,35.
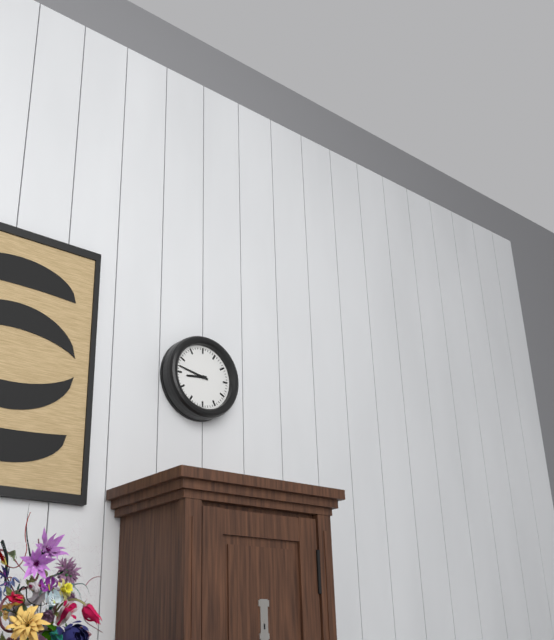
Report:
8,47
